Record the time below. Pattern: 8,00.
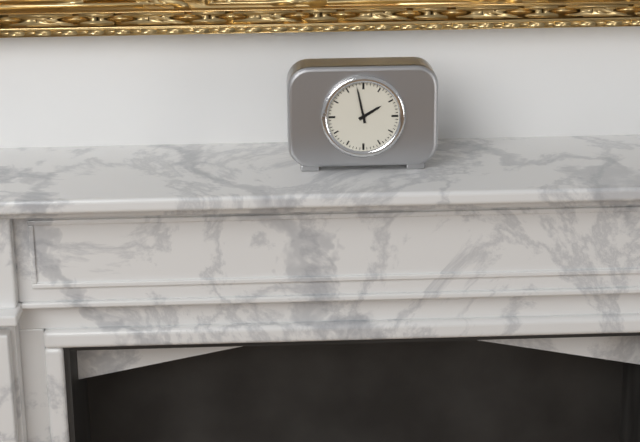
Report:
1,58
